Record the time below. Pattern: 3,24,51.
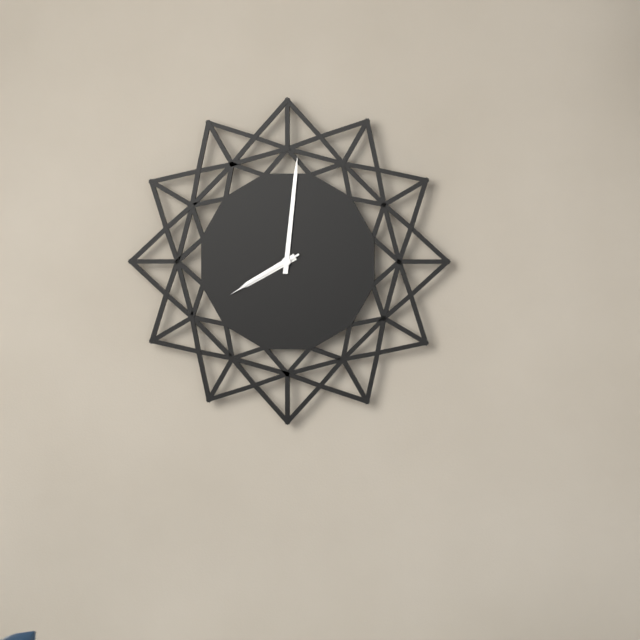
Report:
8,01,40
